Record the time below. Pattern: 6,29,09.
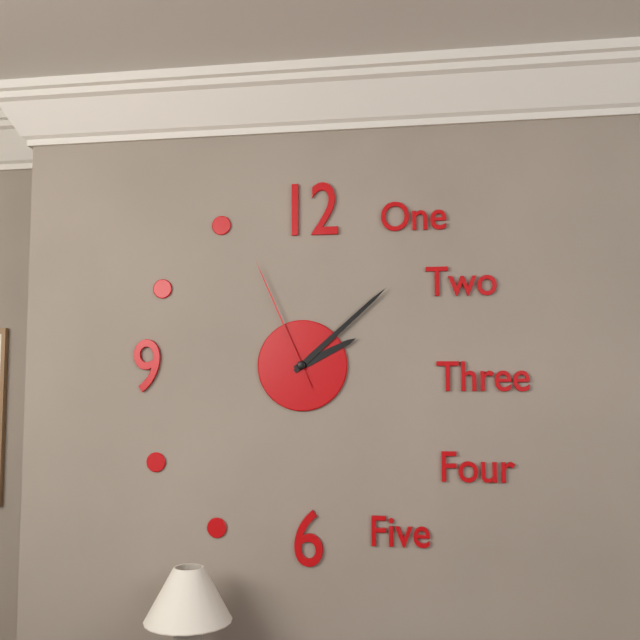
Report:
2,08,56
